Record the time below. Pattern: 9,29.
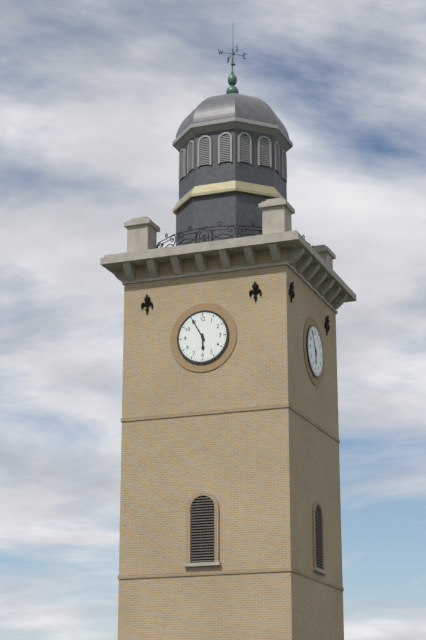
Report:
5,55
